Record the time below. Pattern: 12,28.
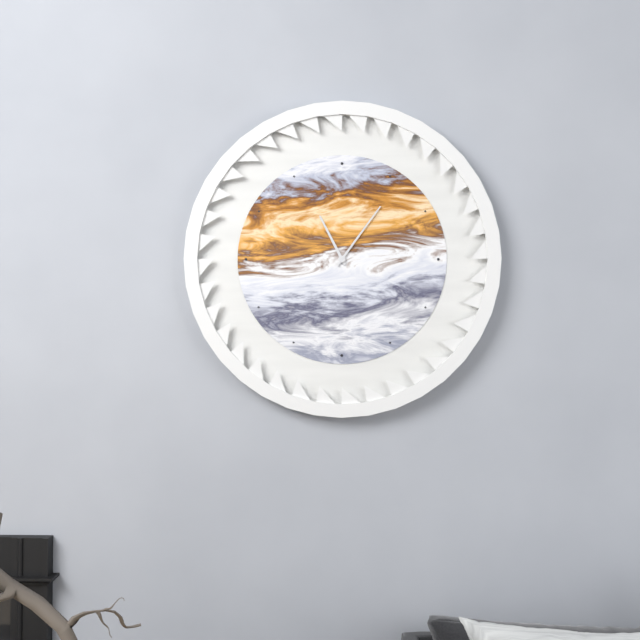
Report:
11,06
